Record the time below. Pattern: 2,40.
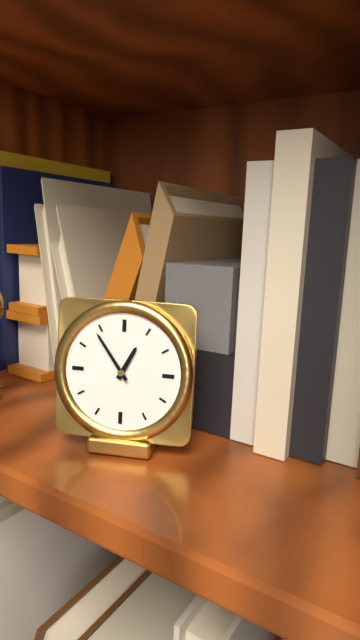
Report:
12,54
